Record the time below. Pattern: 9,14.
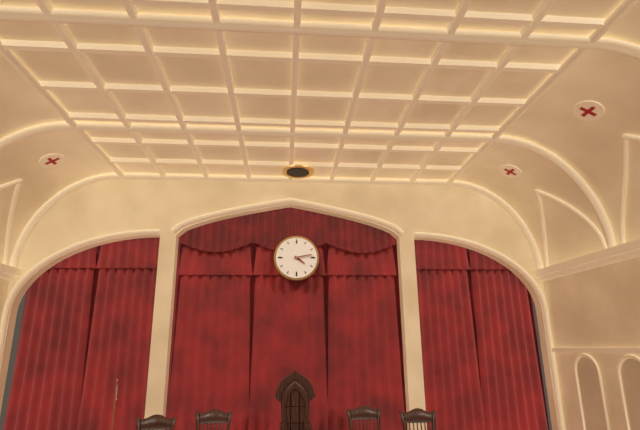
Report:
4,13
